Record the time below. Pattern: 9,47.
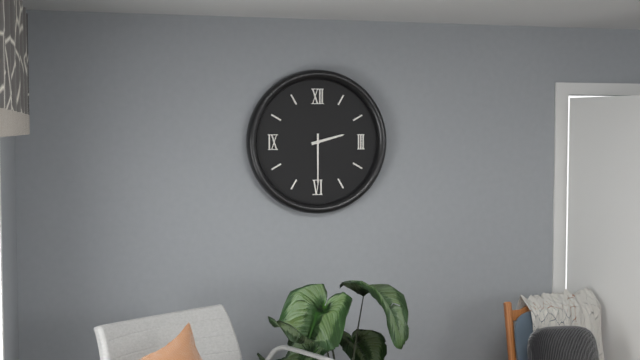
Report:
2,30
